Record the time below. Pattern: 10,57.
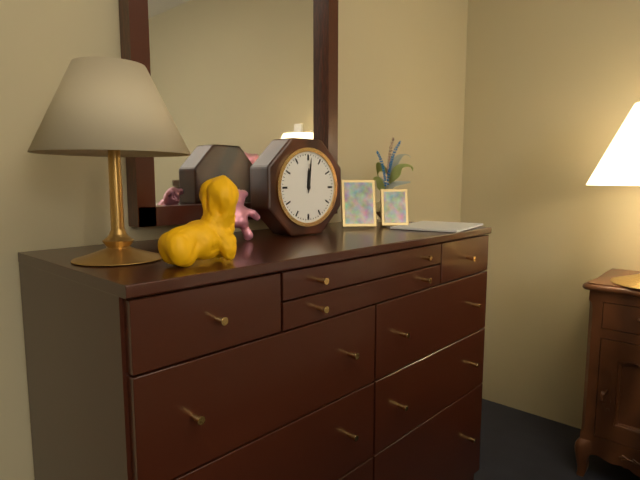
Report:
12,01
